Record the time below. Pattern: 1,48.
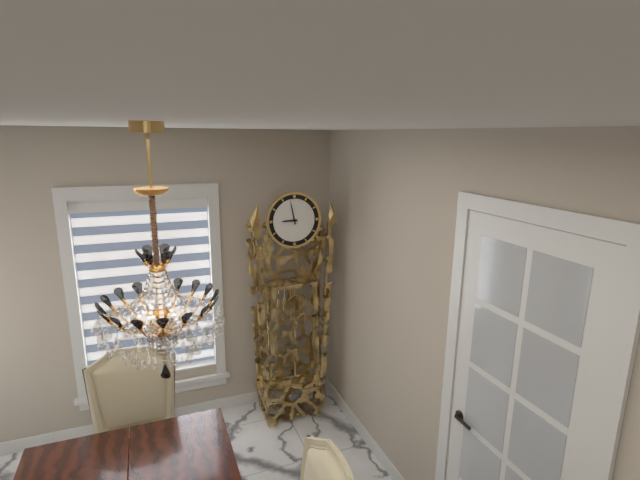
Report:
8,58
